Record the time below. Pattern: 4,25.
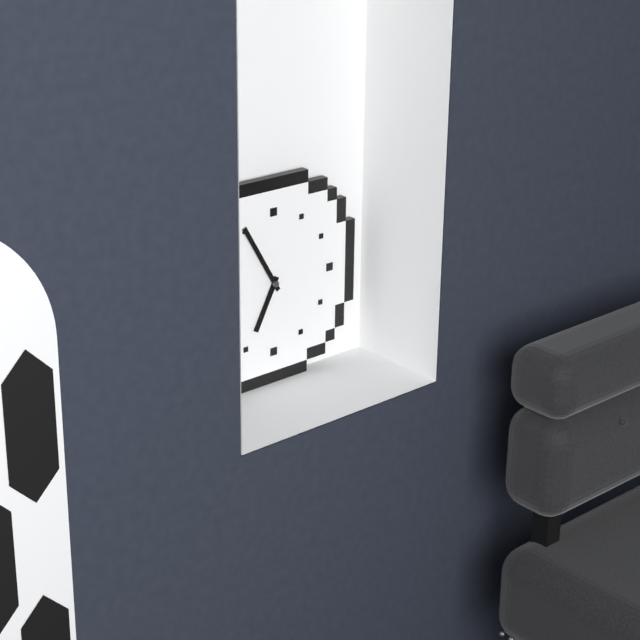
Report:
6,55
